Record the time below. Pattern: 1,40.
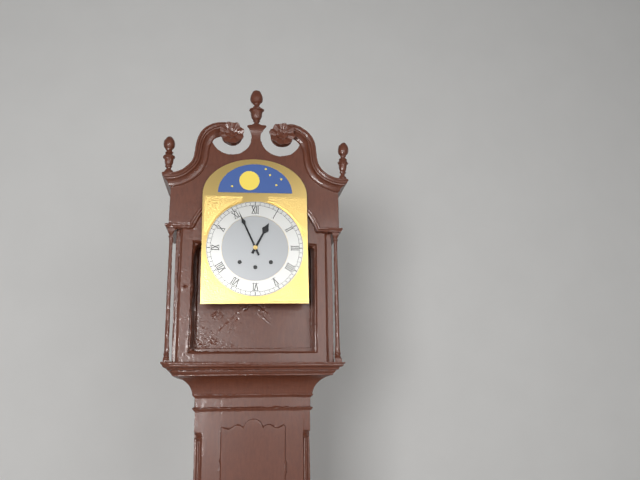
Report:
12,56
